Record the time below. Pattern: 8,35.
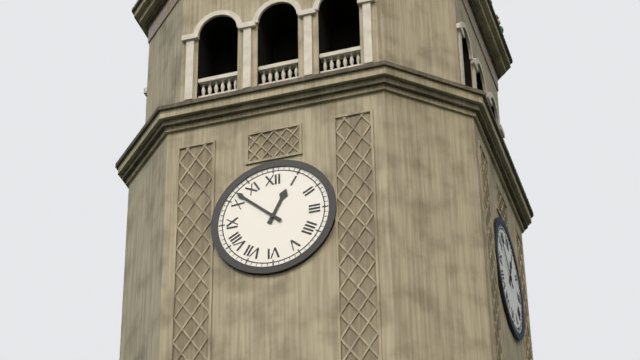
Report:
12,52
